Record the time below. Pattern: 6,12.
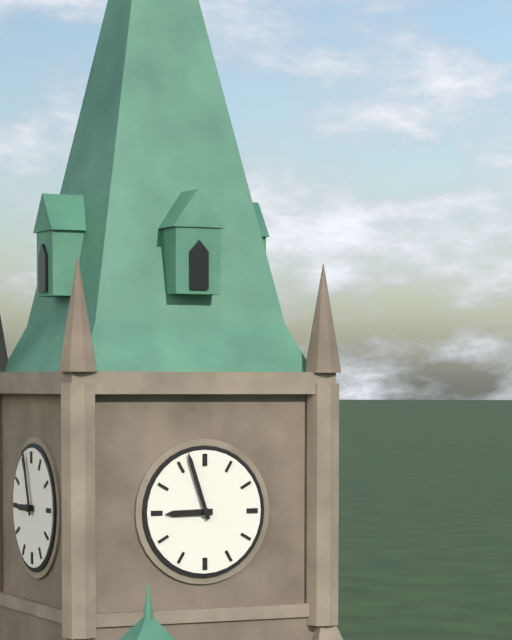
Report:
8,57
